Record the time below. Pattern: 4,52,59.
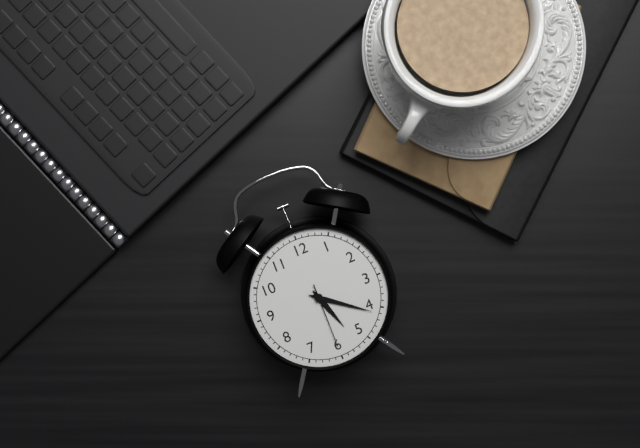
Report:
5,21,30
